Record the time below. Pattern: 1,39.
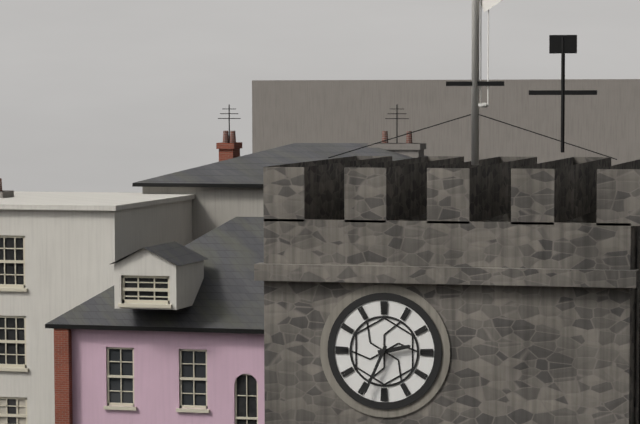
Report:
2,34
